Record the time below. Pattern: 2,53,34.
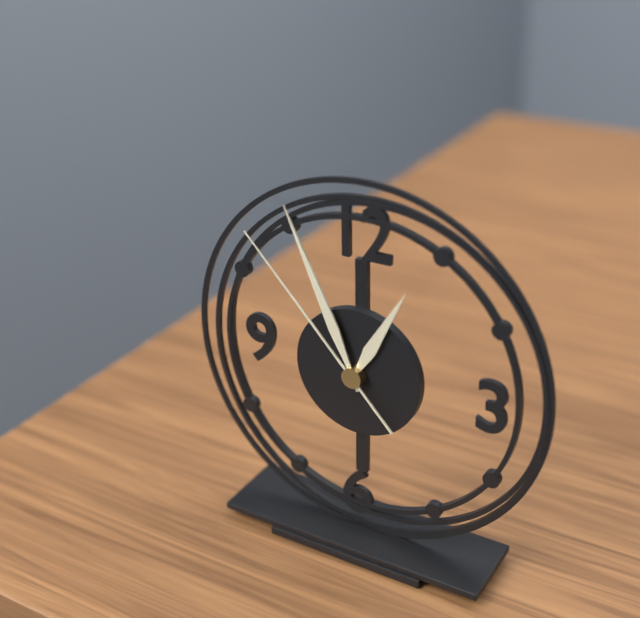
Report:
12,56,53
